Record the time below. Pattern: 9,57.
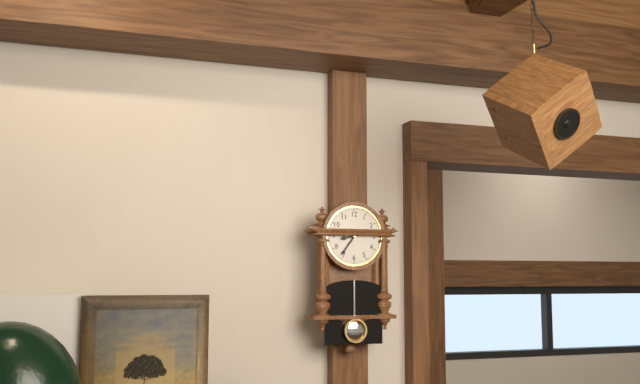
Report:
8,36
